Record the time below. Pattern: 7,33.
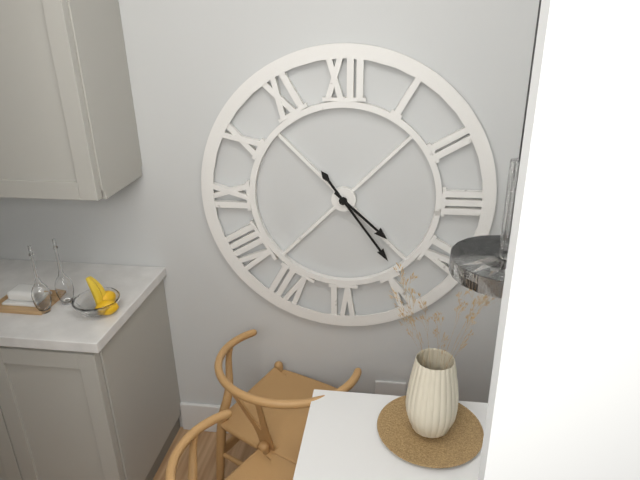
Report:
4,24
